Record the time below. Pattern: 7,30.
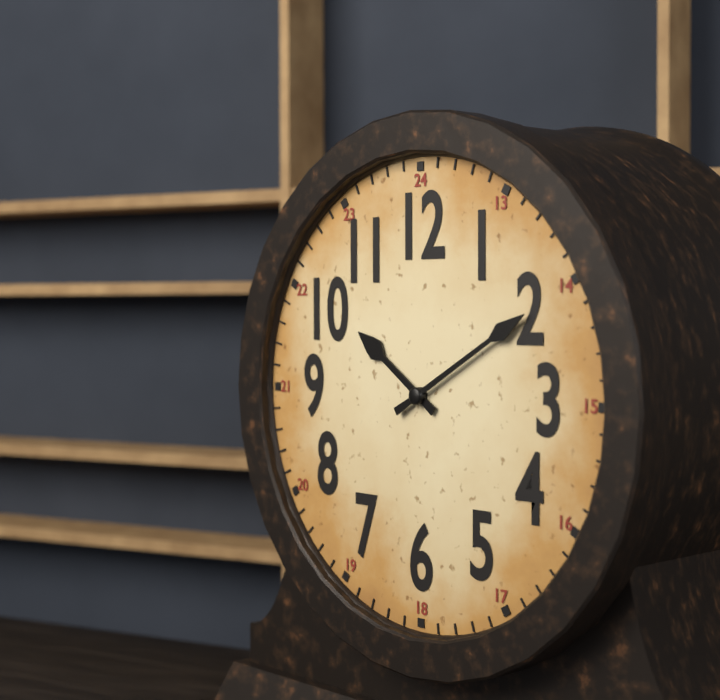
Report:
10,10
